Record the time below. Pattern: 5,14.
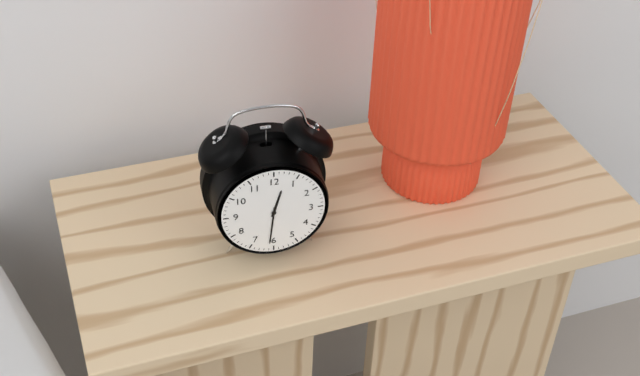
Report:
12,31
